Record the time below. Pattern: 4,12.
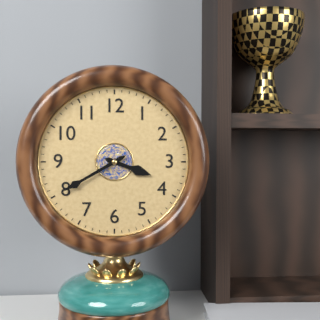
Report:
3,40
